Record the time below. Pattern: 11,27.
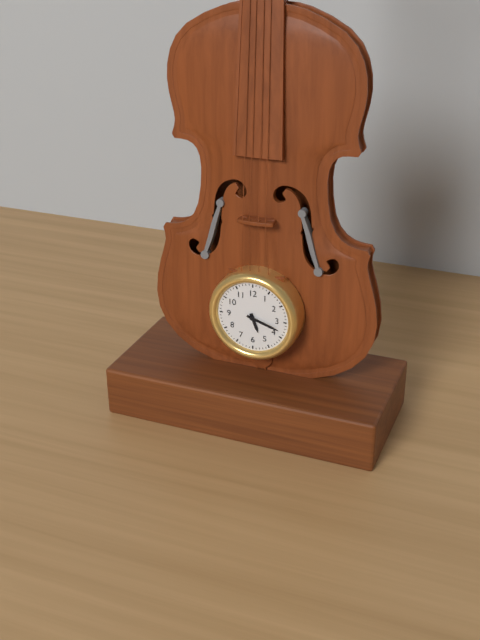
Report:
5,18
